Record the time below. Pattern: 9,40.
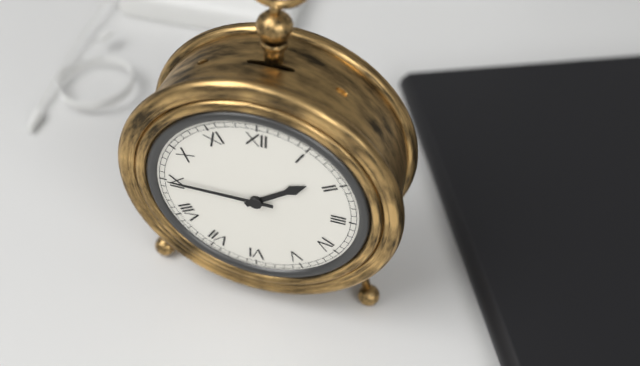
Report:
1,45
